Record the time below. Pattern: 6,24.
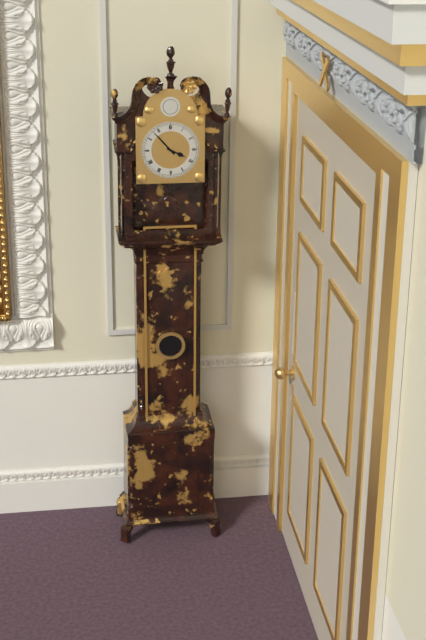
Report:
3,53
